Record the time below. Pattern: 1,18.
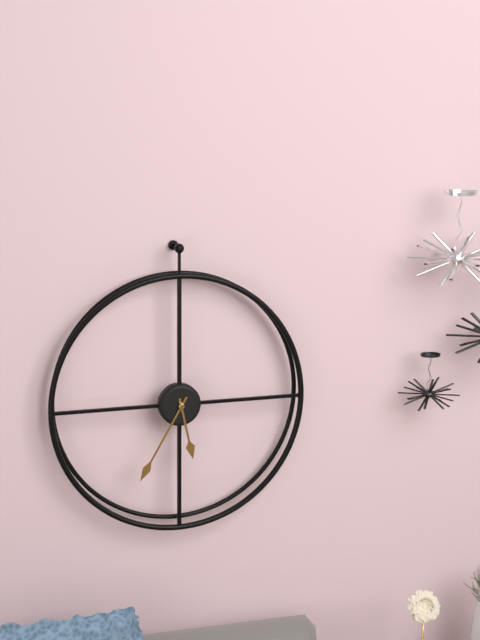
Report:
5,35
